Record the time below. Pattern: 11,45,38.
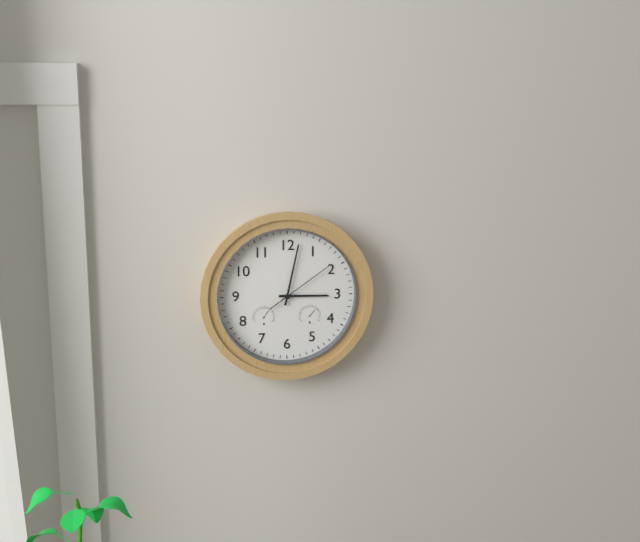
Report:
3,02,09
